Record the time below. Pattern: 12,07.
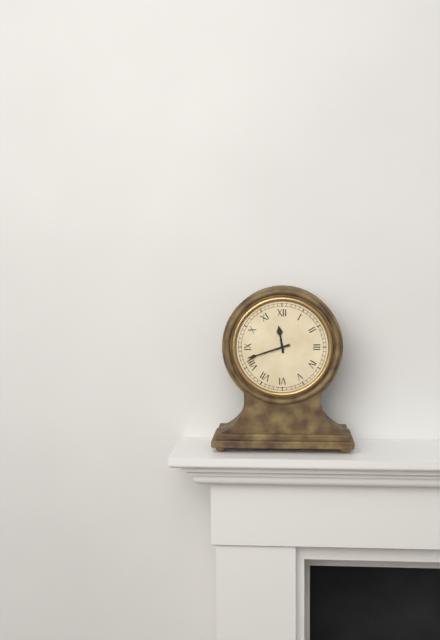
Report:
11,42
